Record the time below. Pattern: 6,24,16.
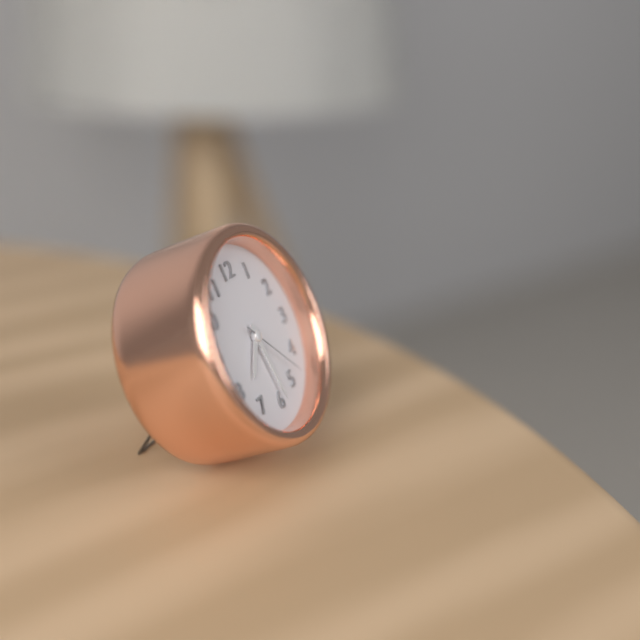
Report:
7,29,23
